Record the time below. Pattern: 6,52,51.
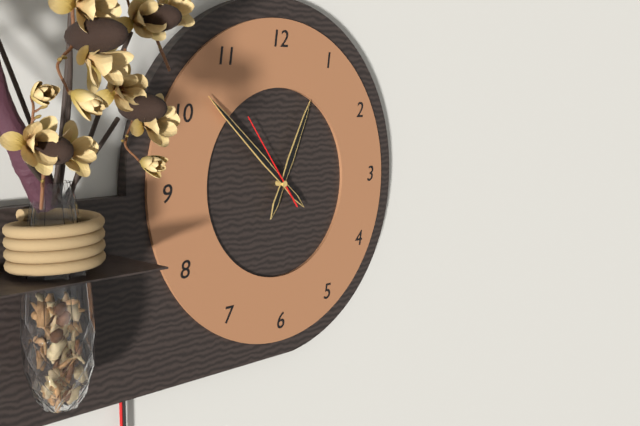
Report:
12,52,54
